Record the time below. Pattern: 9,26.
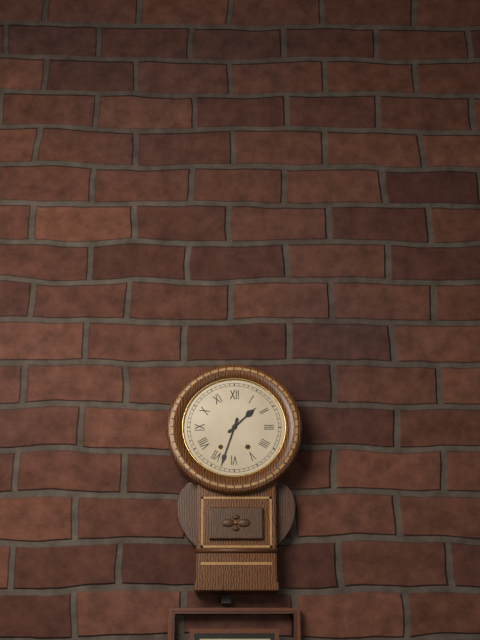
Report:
1,33
